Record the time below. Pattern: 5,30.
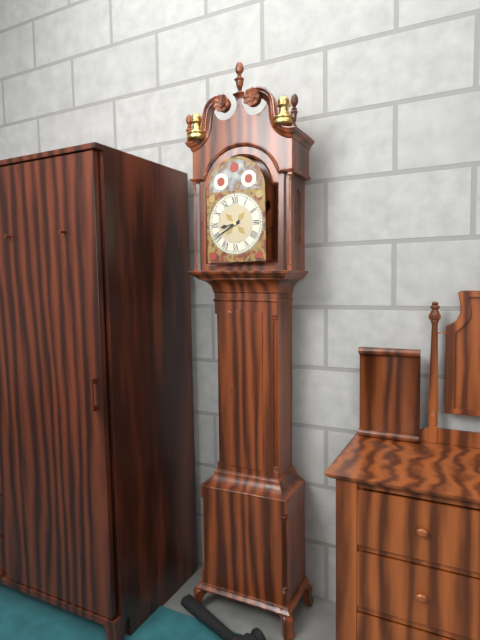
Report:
8,40
